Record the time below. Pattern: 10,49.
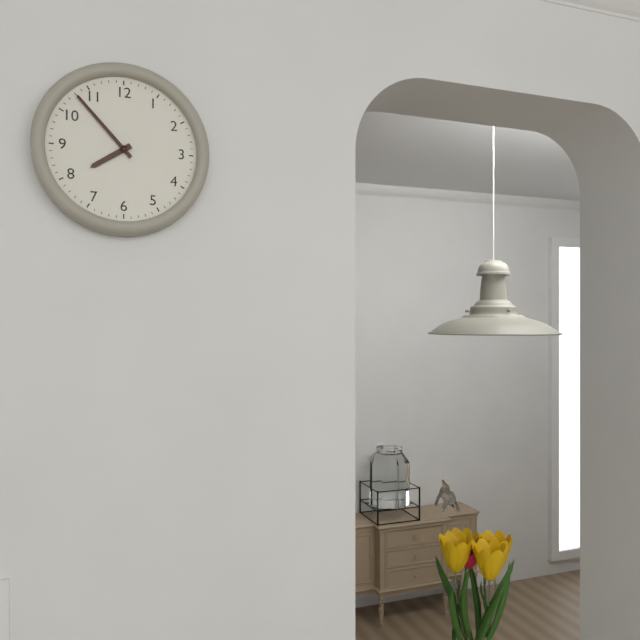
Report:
7,53
